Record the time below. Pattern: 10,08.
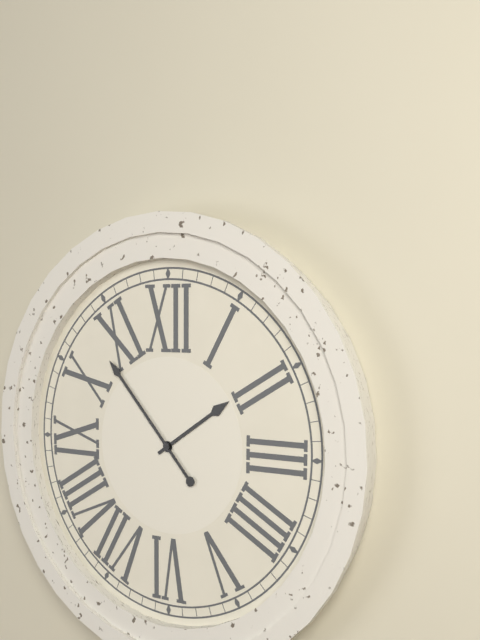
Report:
1,53
